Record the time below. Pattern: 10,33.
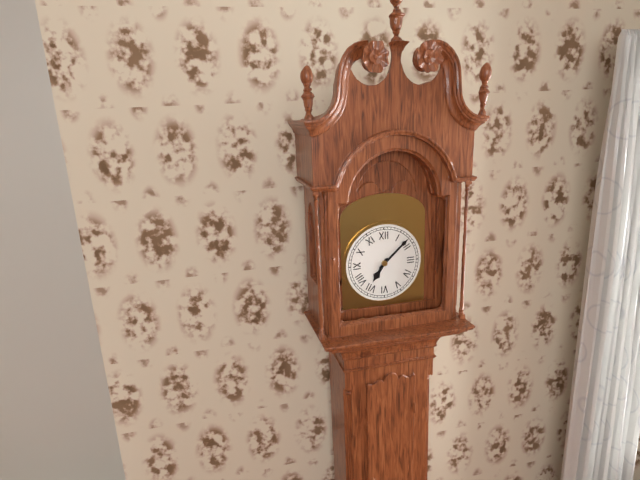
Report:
7,08
